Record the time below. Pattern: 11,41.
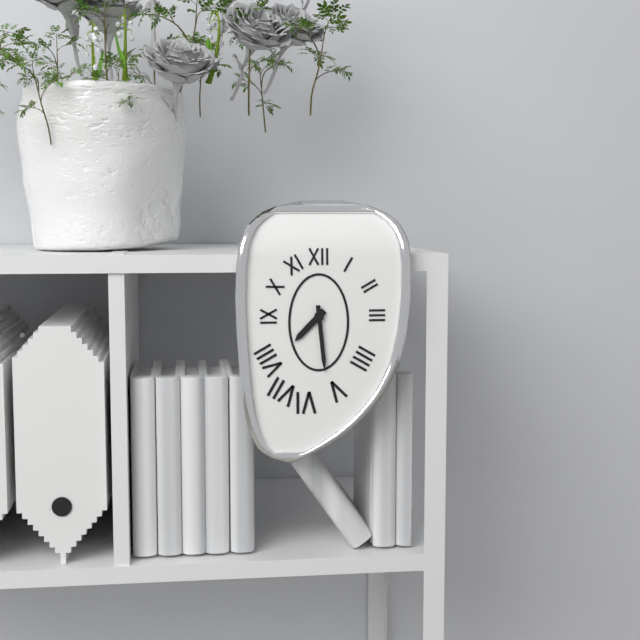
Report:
7,29
